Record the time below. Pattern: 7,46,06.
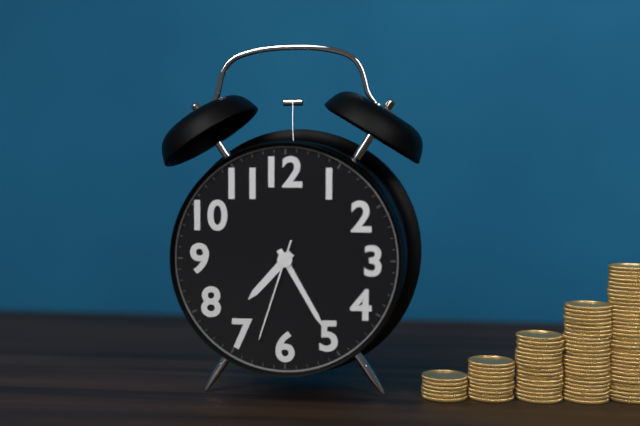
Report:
7,25,33
